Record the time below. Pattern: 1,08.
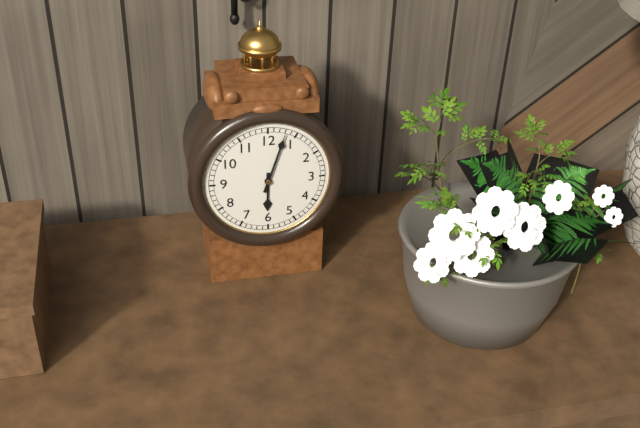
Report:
6,03
